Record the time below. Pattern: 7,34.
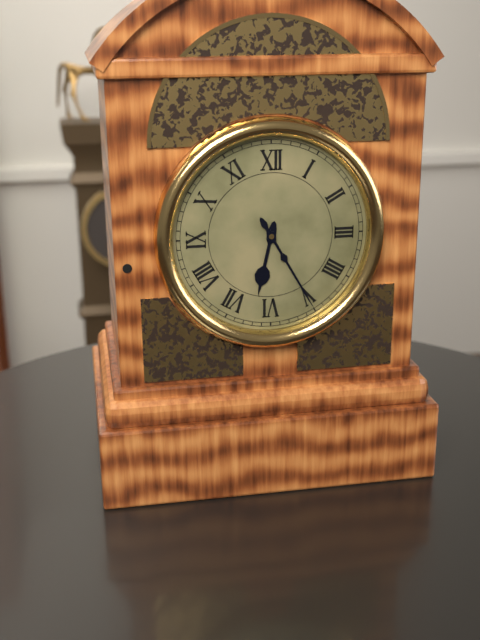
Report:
6,25
